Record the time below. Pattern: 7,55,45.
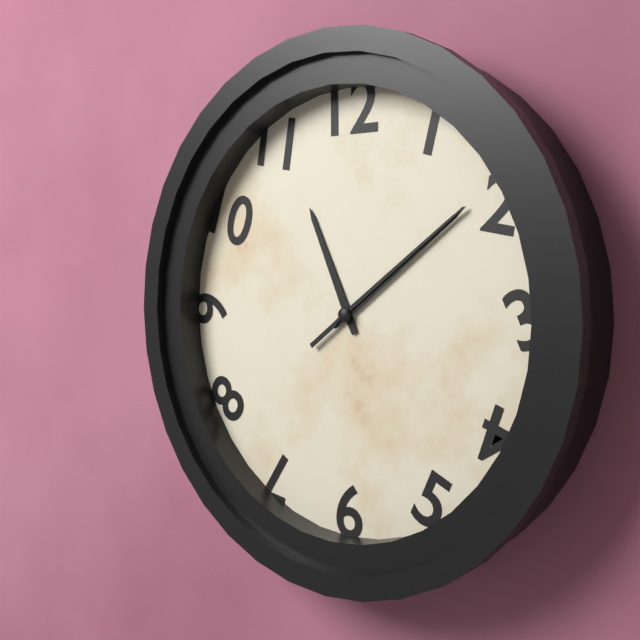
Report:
11,09,09
